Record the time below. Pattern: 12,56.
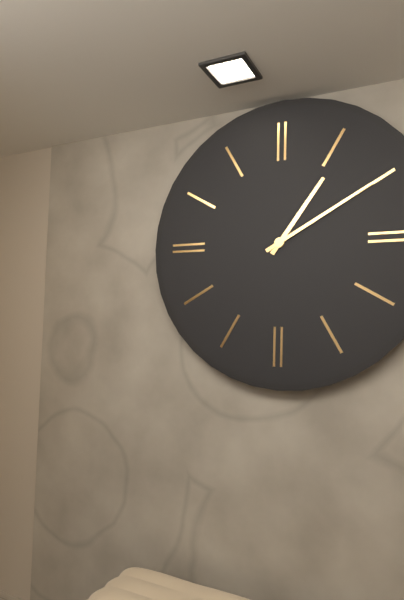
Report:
1,10
